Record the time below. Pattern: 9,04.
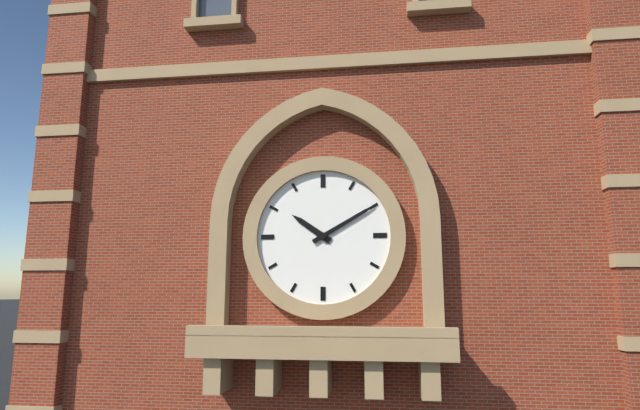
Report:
10,10
